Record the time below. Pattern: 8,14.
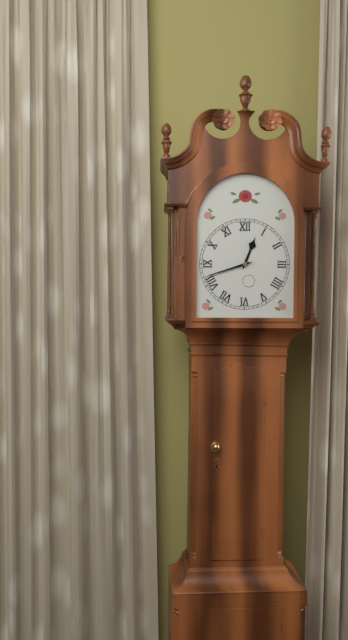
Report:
12,42
